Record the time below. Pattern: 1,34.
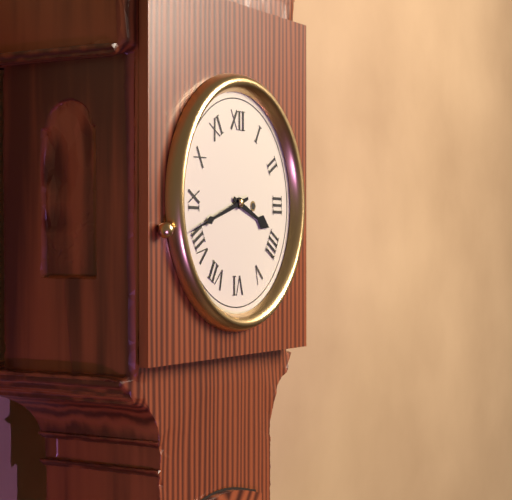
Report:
3,42
